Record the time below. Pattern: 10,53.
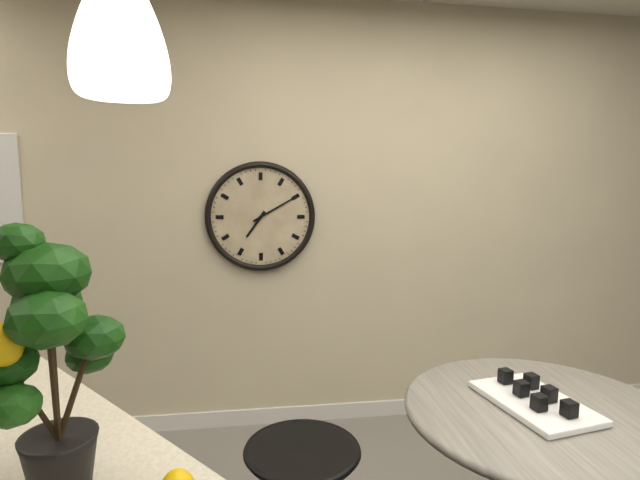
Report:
7,10
